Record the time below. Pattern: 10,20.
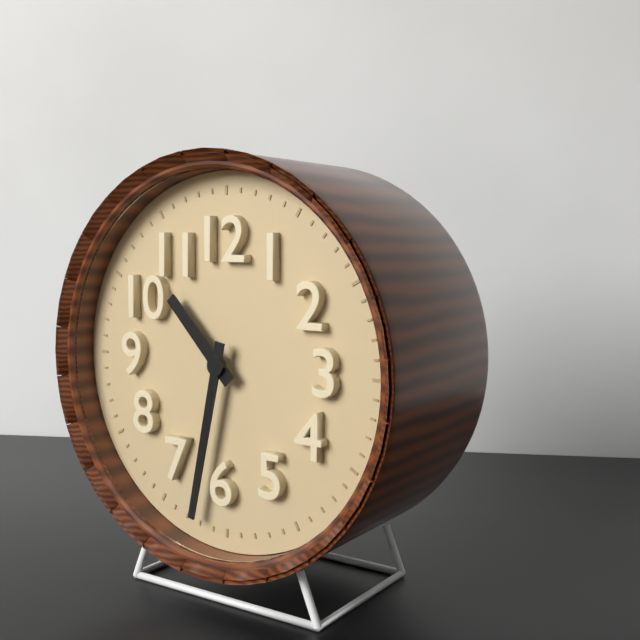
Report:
10,32
